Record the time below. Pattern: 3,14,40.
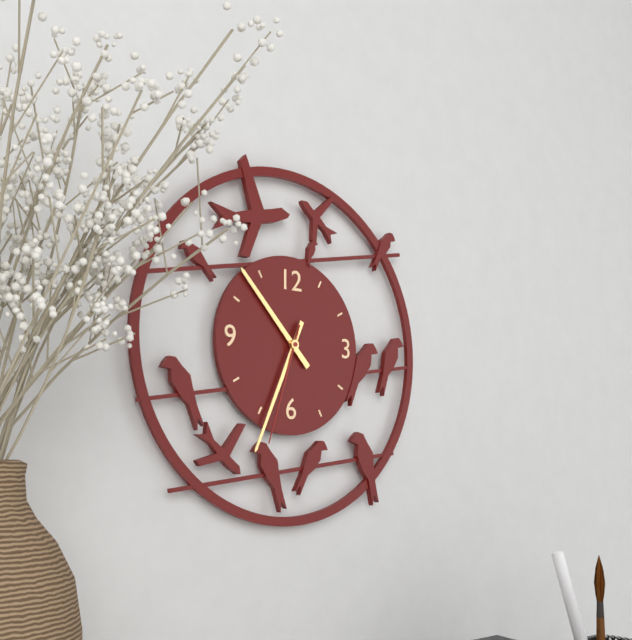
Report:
10,34,33
